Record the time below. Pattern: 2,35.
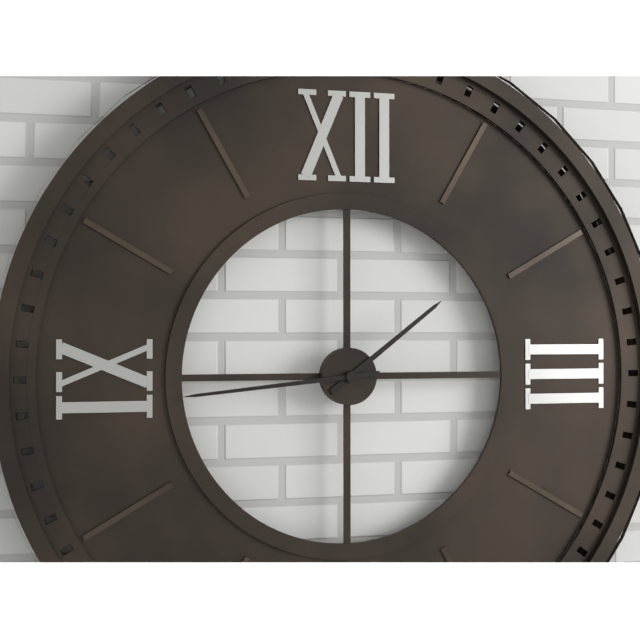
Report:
1,44
